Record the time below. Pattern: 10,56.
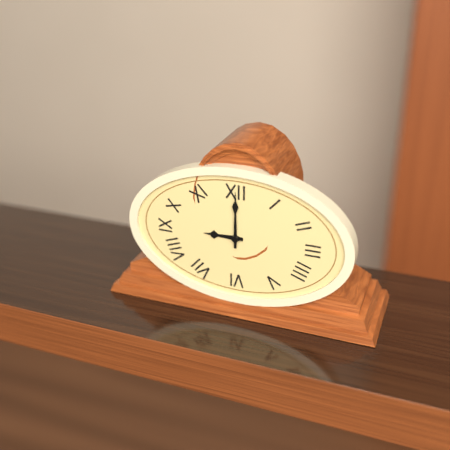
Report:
9,00
